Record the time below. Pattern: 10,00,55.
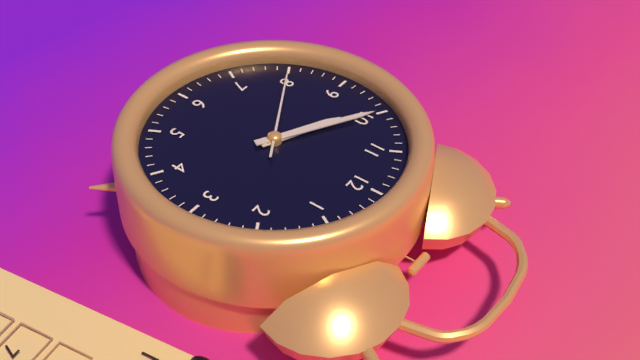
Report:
9,50,40
